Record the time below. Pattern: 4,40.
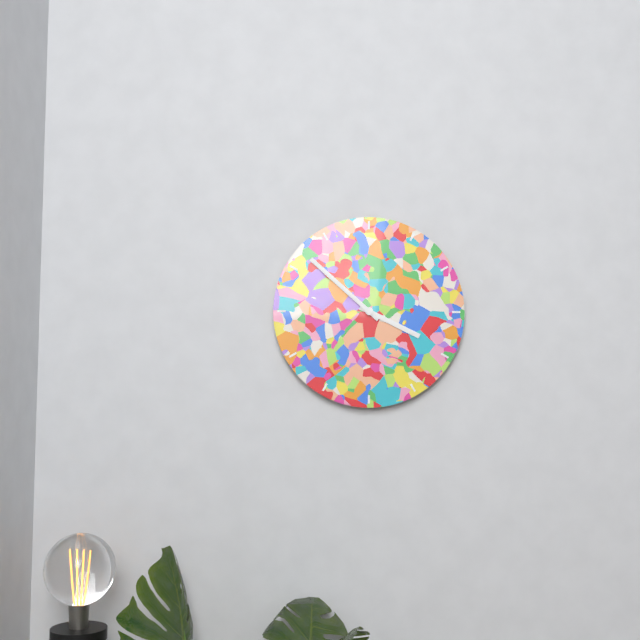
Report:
3,52
